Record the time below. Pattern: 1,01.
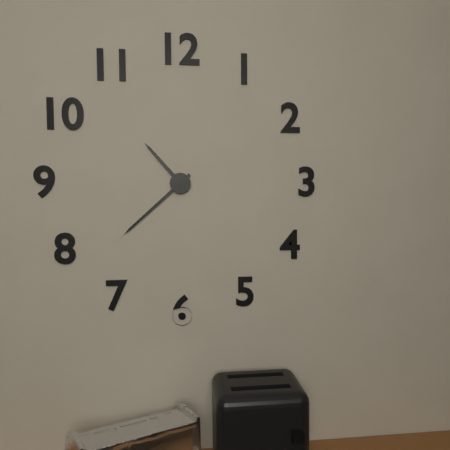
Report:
10,38
